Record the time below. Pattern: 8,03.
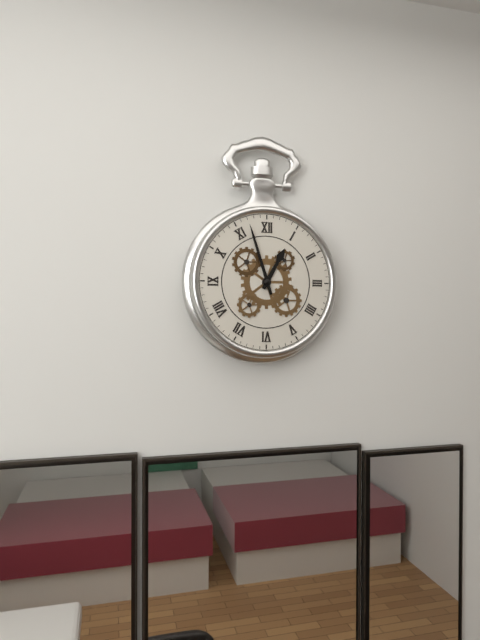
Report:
12,57
